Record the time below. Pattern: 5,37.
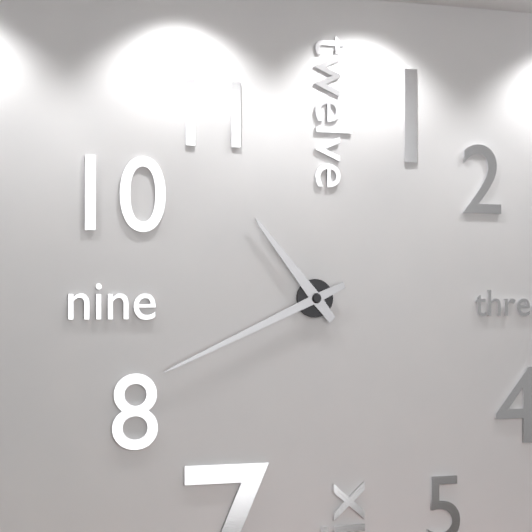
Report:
10,41
